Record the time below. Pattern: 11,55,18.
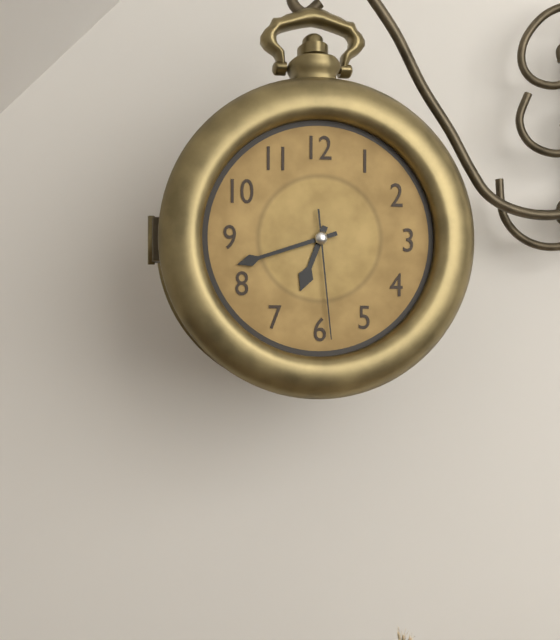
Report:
6,42,29
